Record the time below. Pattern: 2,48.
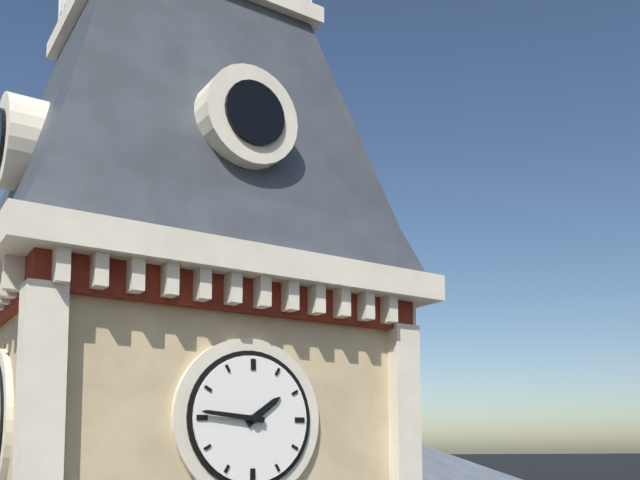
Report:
1,46
